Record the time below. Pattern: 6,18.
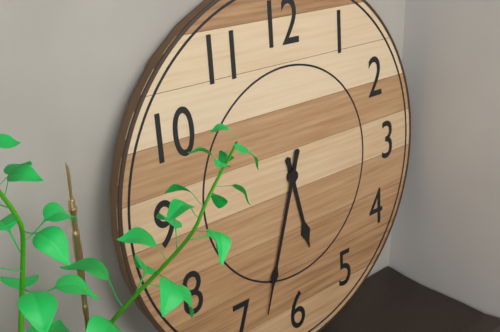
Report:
5,33
